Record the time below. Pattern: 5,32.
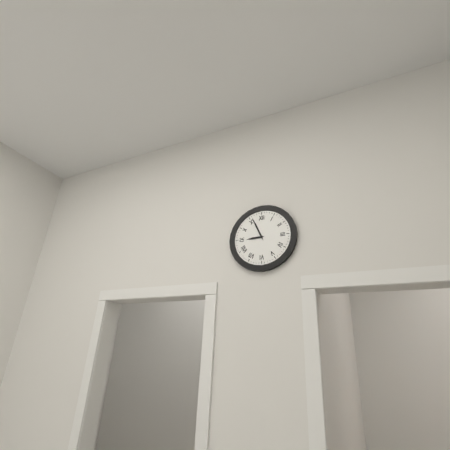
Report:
8,56
